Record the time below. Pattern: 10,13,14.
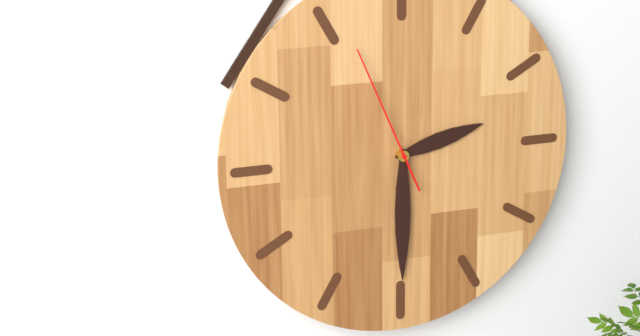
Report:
2,30,56
